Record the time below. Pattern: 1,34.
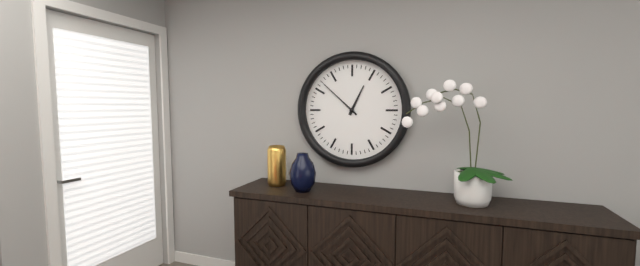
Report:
12,52
